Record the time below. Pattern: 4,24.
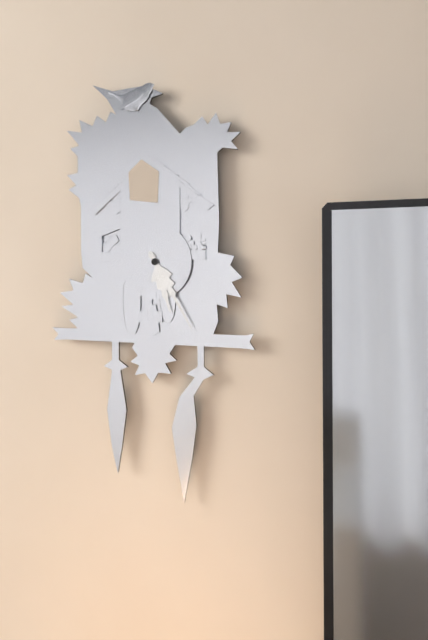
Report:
5,25
